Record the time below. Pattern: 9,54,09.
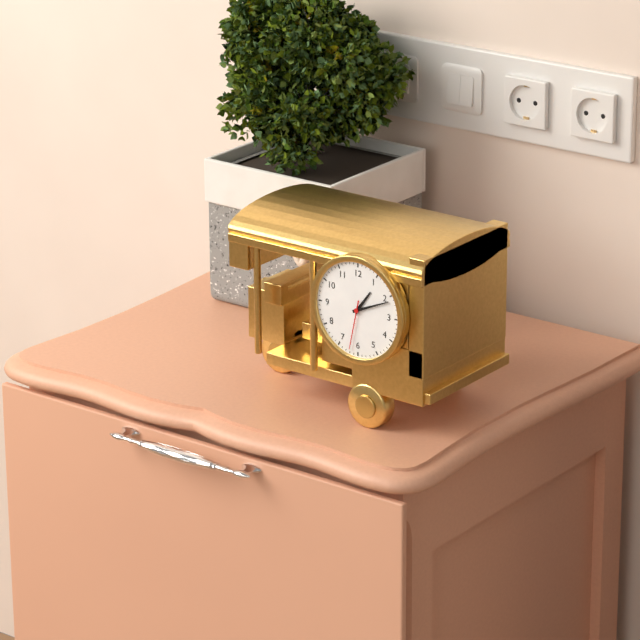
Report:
1,11,32
